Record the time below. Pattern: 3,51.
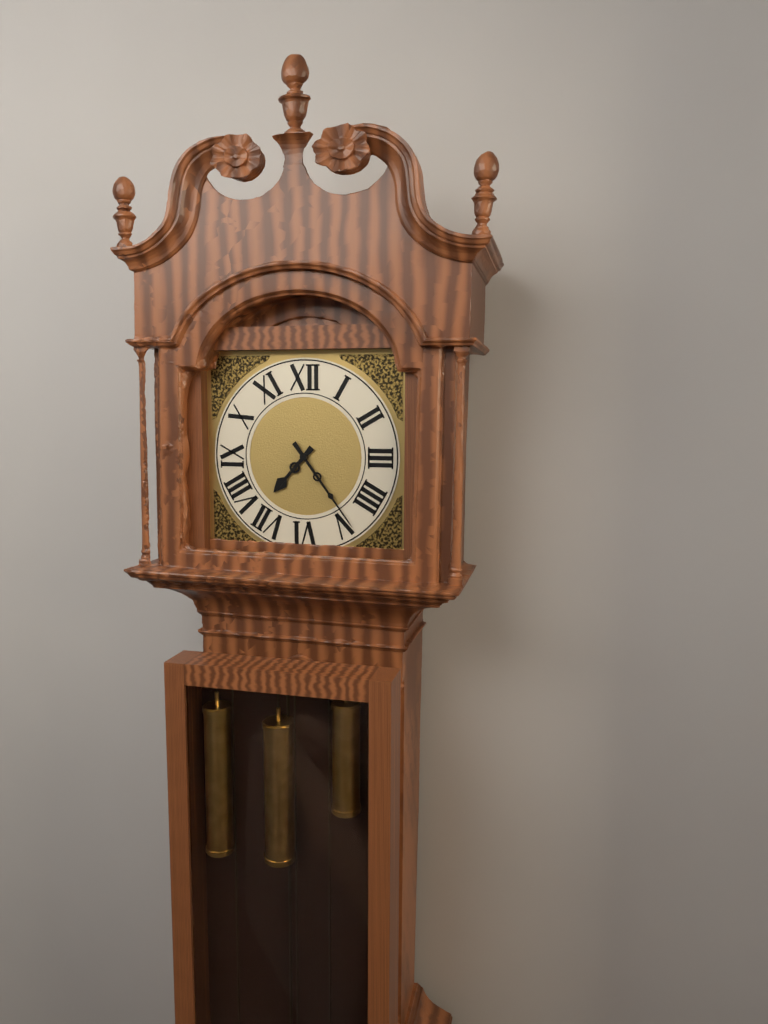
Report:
7,24
